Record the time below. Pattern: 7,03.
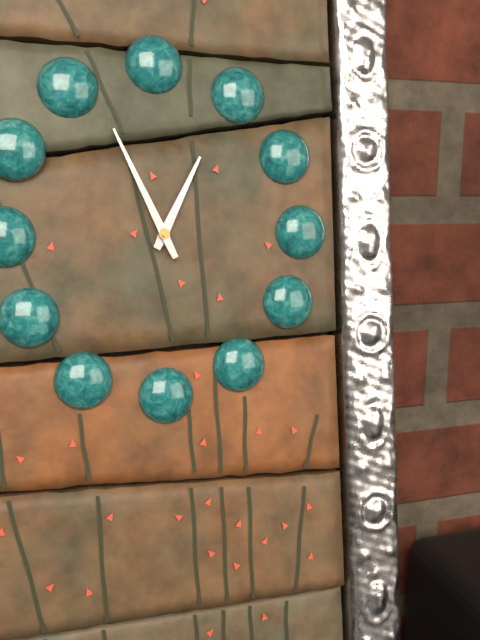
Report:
12,56
